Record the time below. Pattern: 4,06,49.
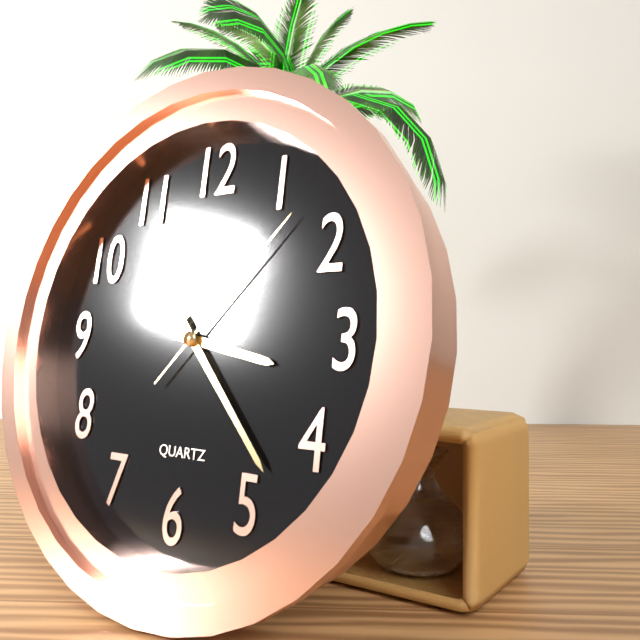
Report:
3,23,07
